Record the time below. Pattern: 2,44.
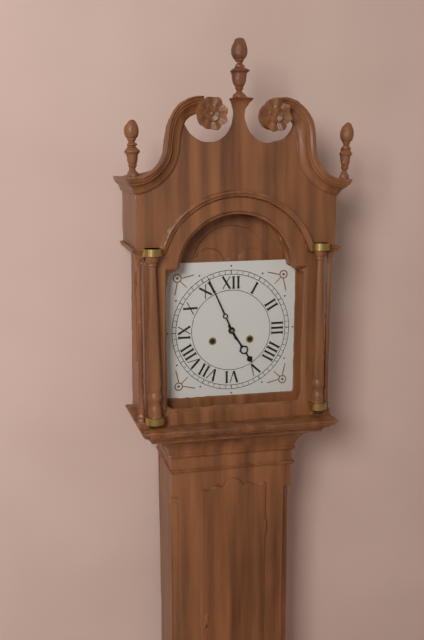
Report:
4,56
